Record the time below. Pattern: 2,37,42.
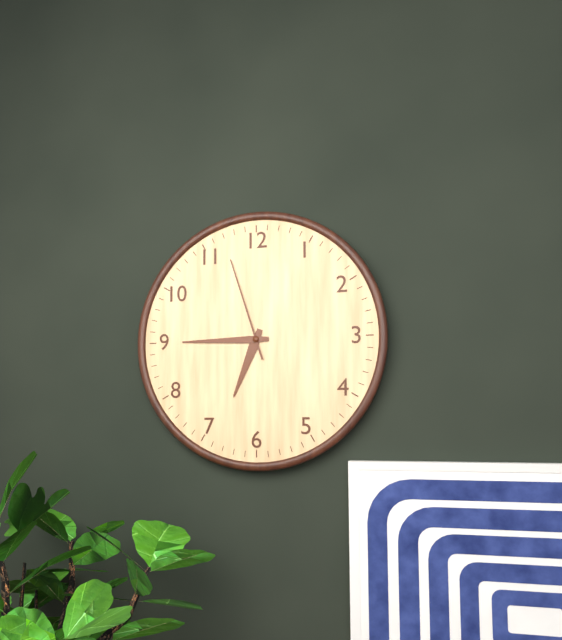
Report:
6,45,57
